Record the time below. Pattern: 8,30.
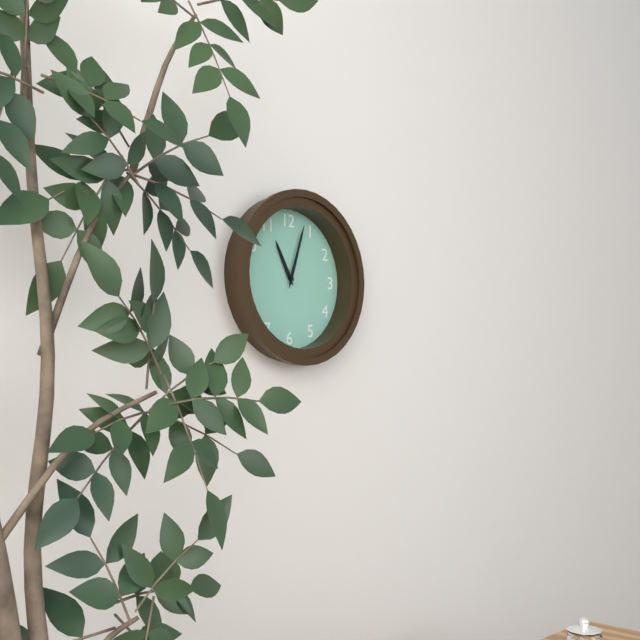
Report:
11,03
